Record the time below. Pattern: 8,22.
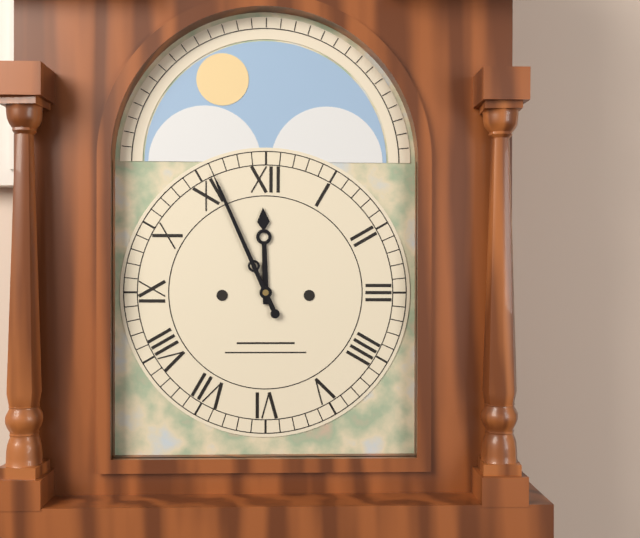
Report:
11,56
